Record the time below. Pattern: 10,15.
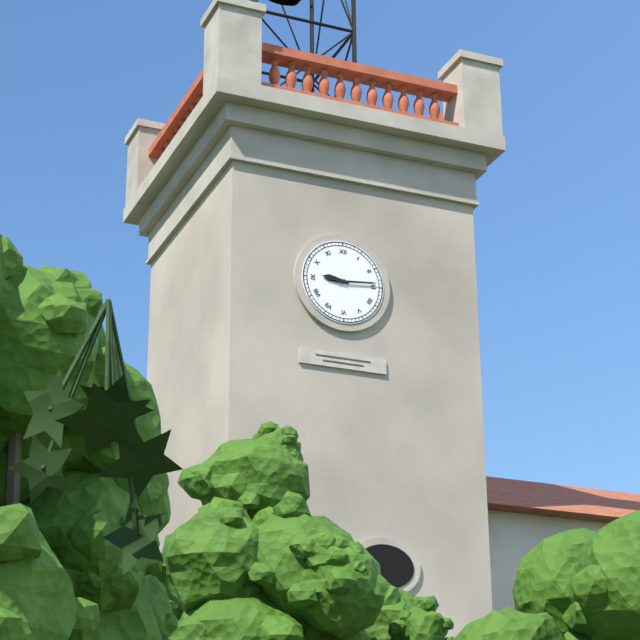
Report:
9,14
